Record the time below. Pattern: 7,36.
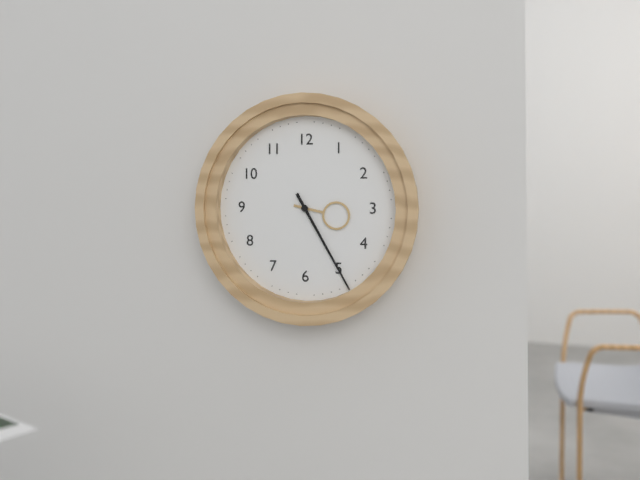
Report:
3,25
